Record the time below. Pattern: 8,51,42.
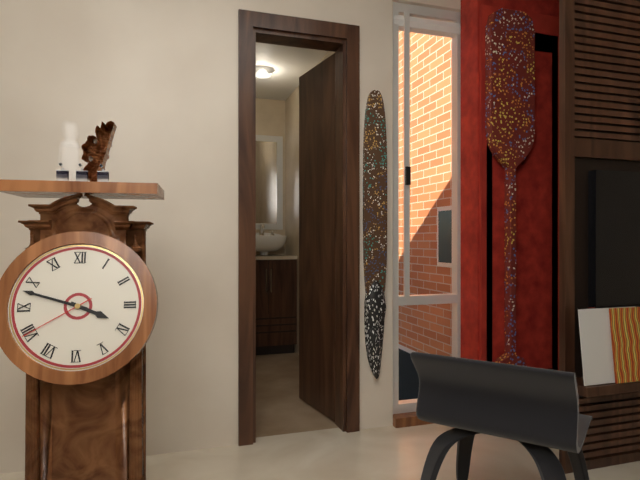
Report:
3,48,40
